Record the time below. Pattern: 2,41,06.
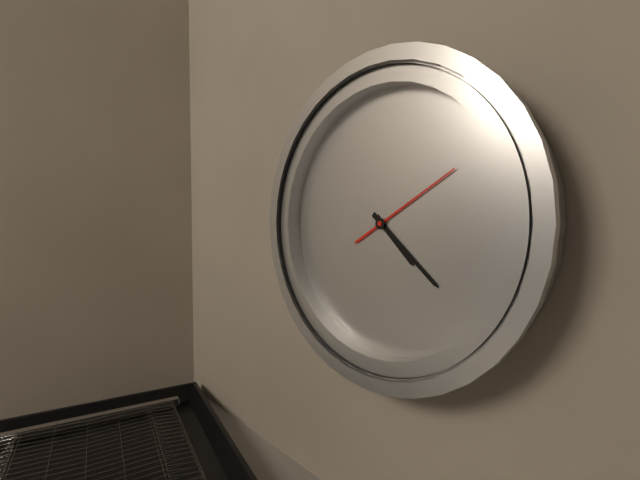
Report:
4,21,09
